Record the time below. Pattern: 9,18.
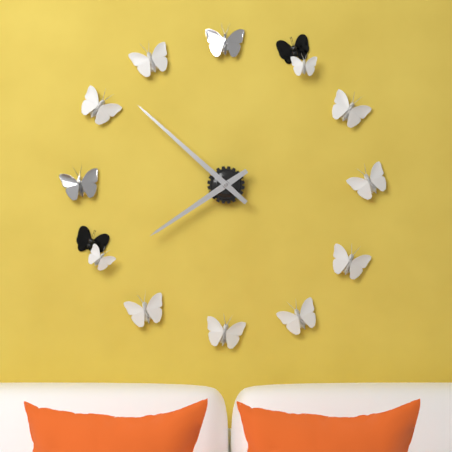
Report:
7,52
